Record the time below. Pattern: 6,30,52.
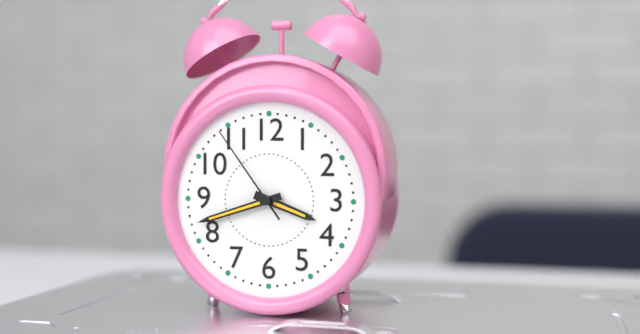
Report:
3,42,54
